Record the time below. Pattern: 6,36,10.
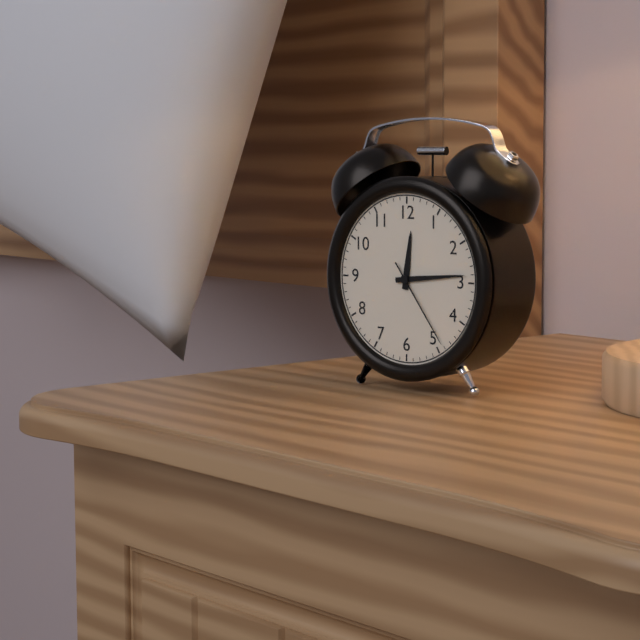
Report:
12,14,24
